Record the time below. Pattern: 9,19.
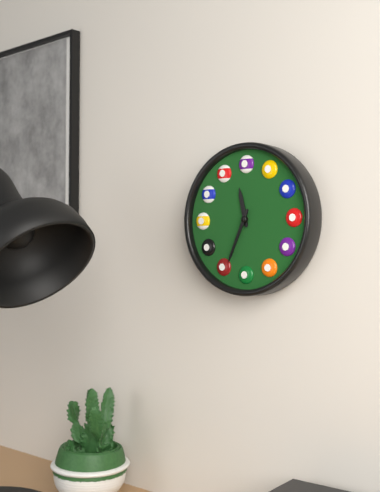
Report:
11,34
